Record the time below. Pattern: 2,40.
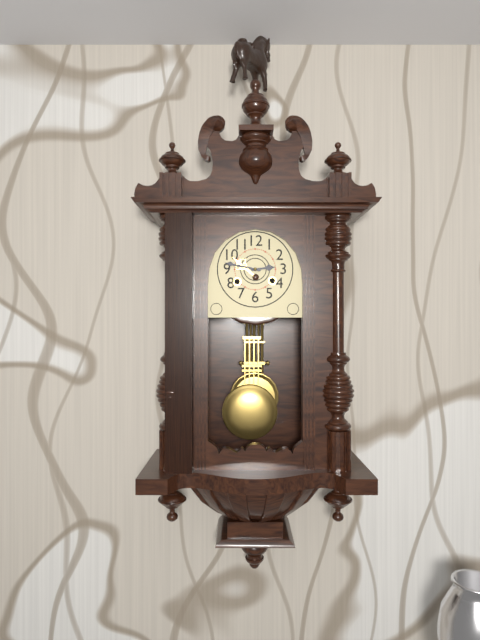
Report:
2,47
